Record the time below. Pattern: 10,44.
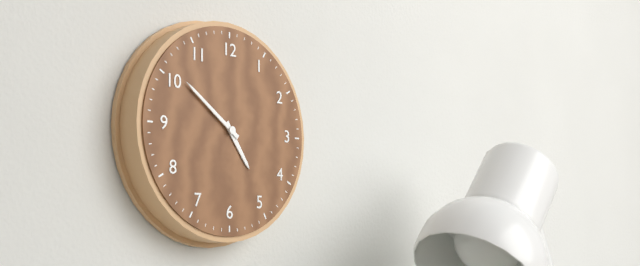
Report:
4,51
